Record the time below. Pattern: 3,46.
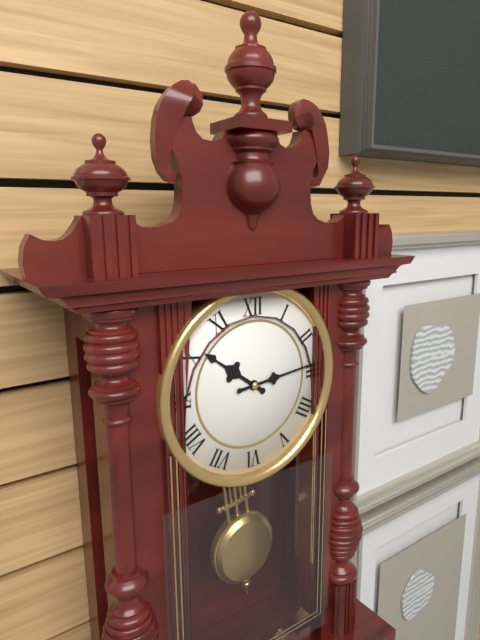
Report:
10,14
